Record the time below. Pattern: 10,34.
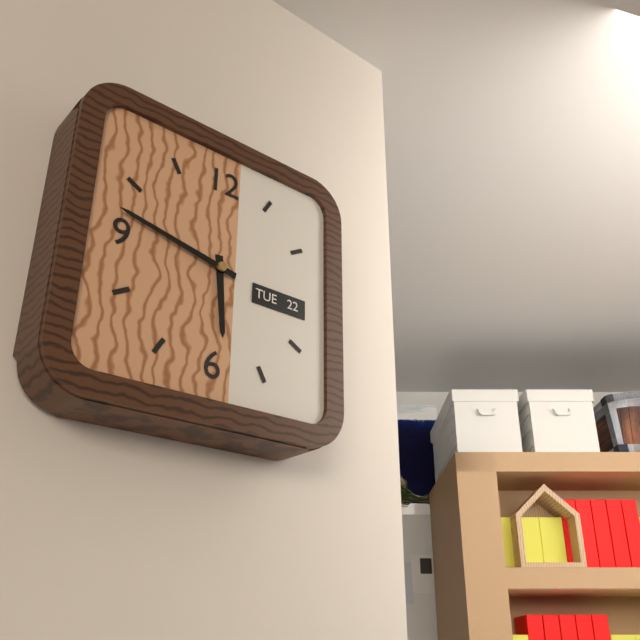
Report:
5,47
